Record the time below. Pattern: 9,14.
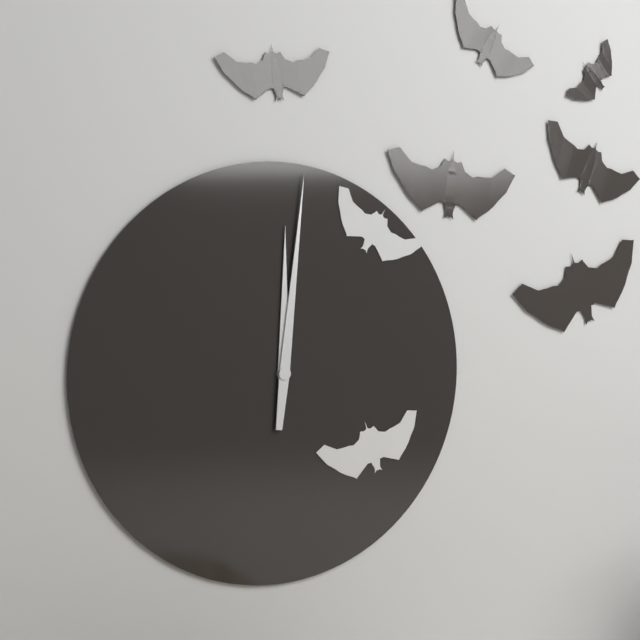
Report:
12,01
